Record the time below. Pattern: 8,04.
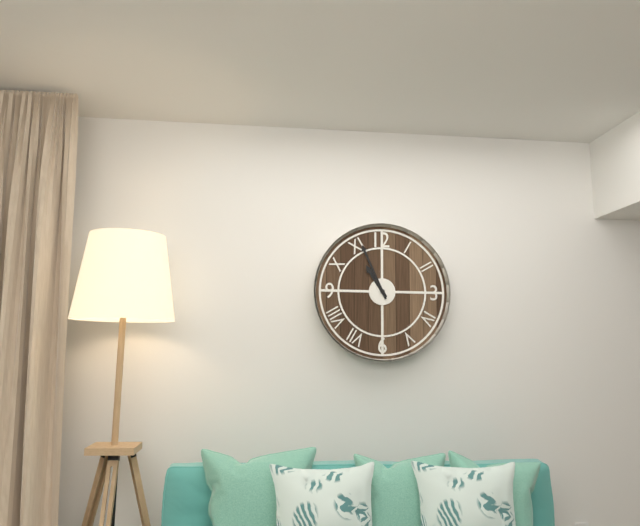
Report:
10,56
